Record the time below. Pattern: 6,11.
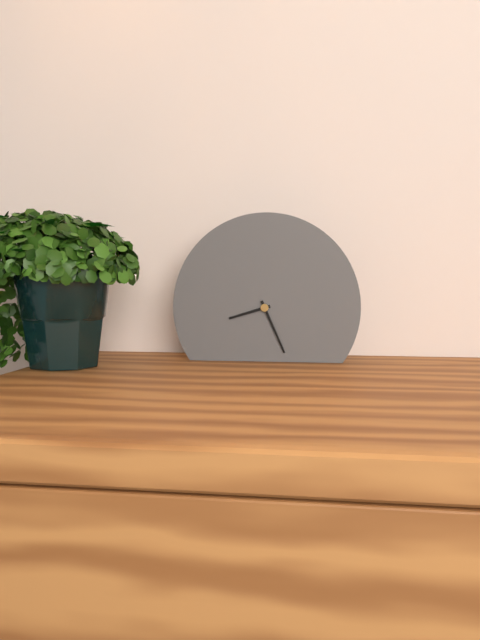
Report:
8,26
